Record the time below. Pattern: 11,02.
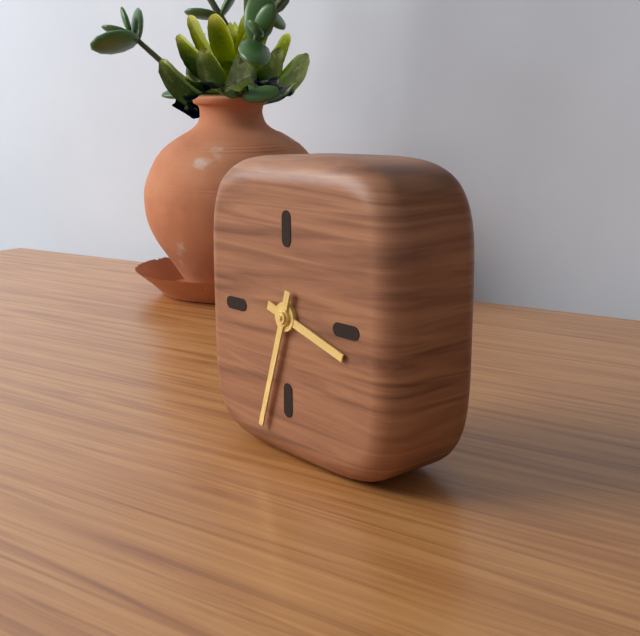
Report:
3,33
